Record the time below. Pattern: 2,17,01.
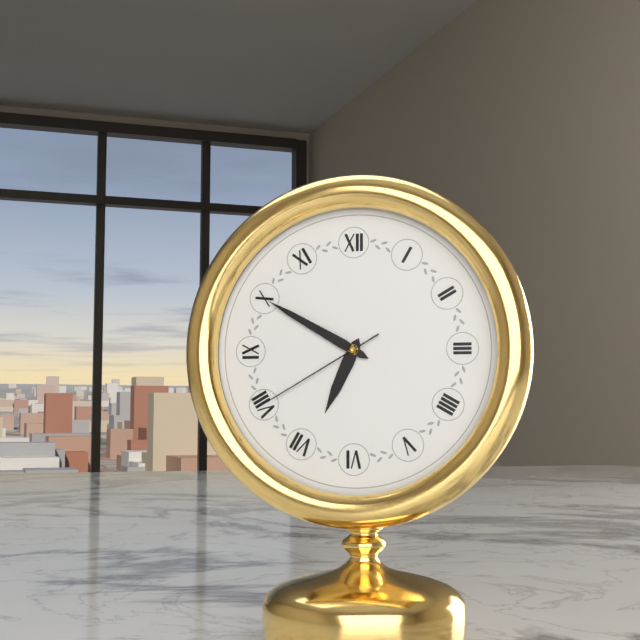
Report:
6,50,40
